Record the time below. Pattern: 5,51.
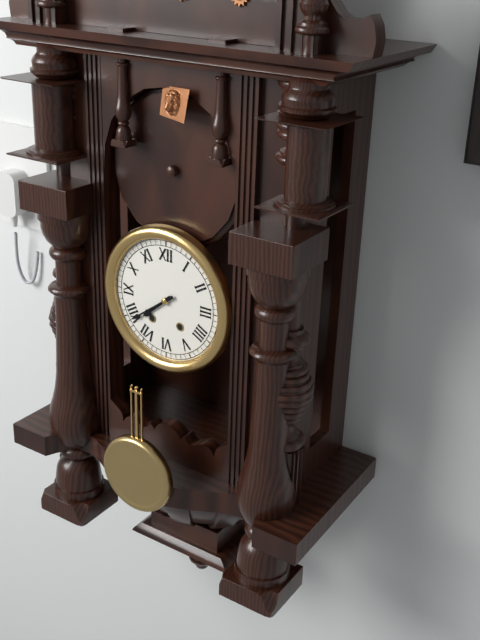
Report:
7,39
